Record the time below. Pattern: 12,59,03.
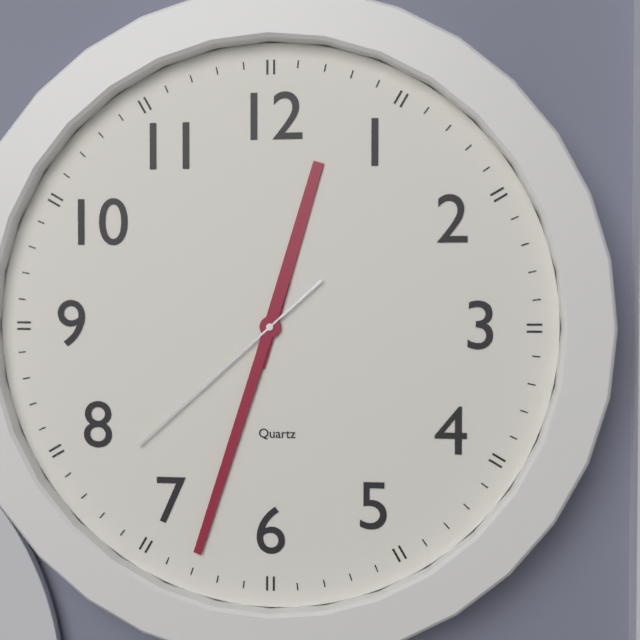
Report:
12,33,38
